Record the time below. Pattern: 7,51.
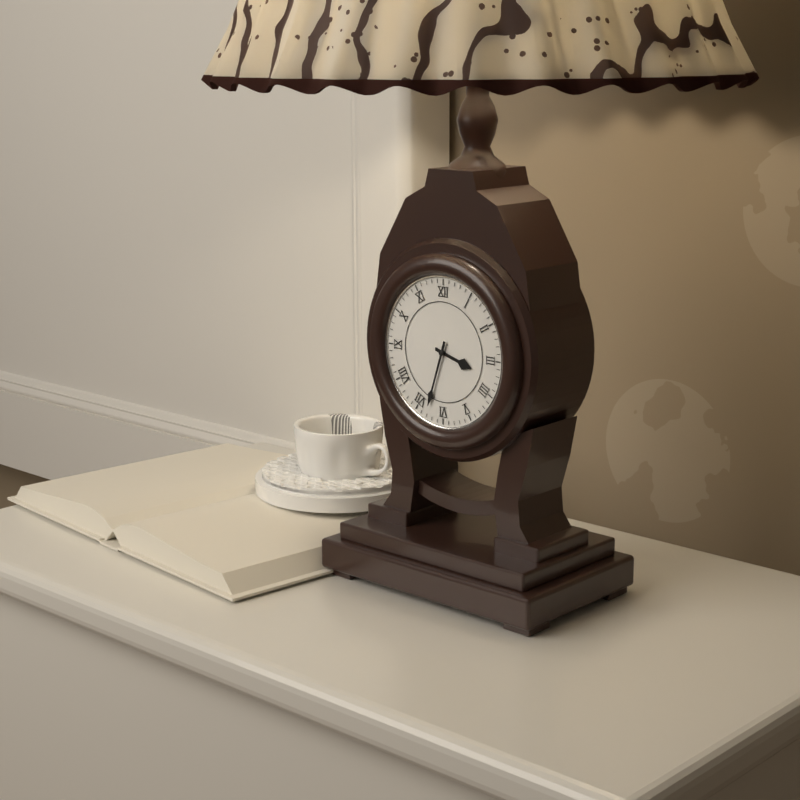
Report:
3,33
